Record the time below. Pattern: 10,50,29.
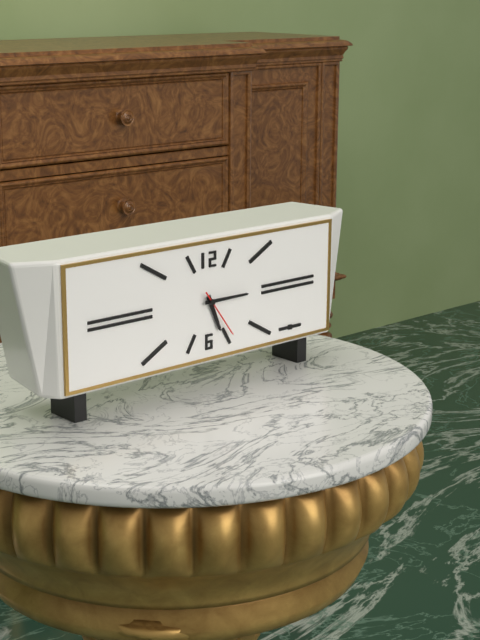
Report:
5,15,24
